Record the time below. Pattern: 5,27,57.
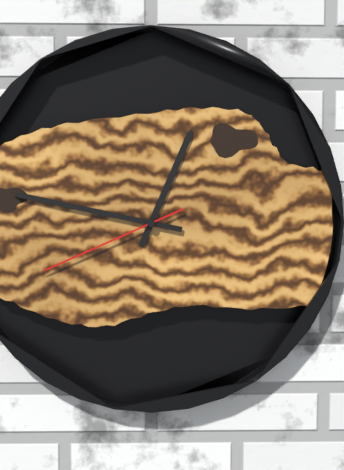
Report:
12,47,41
